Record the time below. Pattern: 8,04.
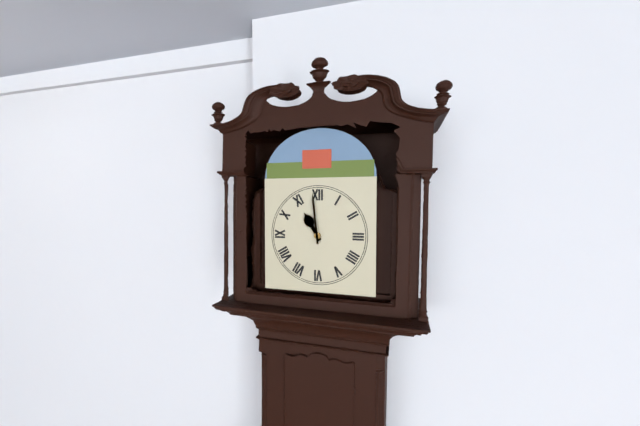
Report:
10,59
